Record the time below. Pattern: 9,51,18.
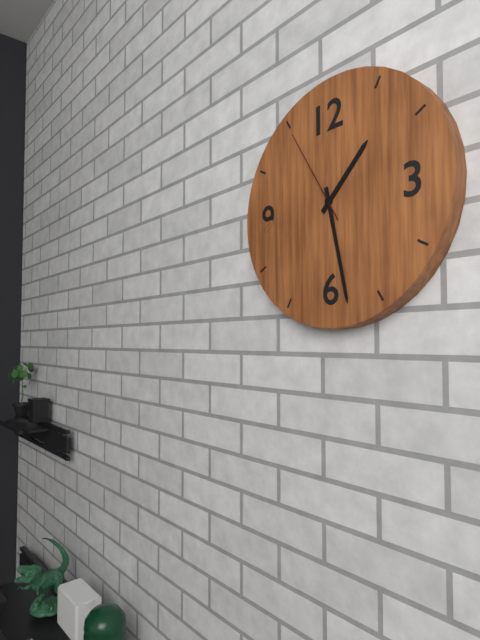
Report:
1,28,55
